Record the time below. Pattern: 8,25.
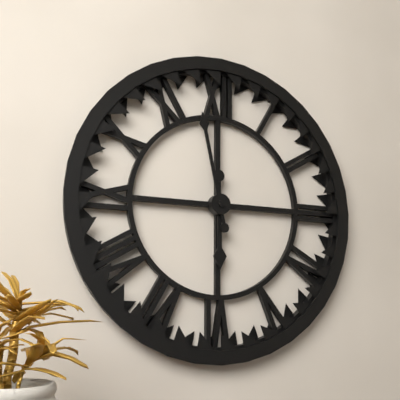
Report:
5,58
